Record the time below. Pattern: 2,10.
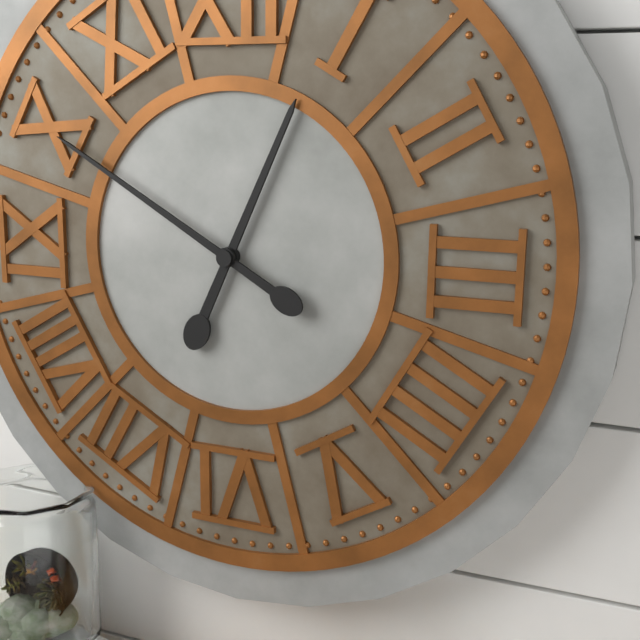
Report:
12,50
